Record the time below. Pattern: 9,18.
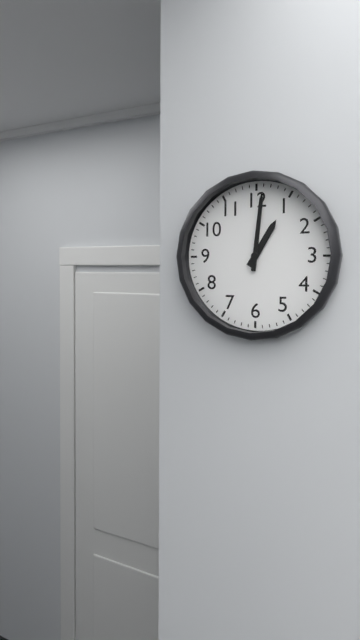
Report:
1,01
